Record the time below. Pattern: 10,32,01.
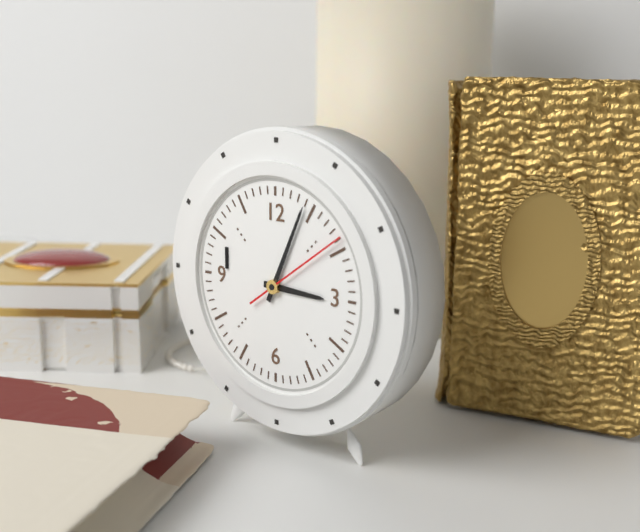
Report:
3,04,09
